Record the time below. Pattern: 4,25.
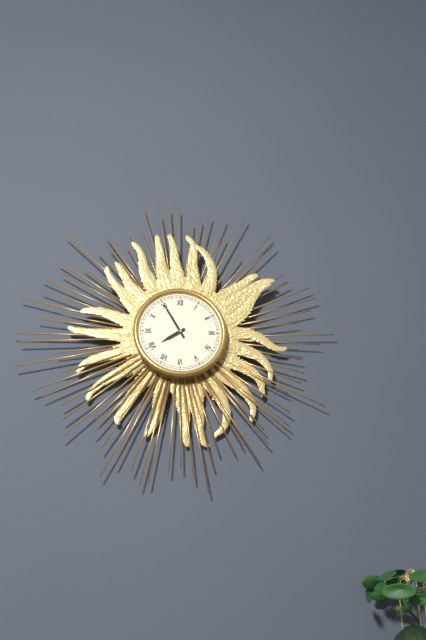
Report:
7,55
